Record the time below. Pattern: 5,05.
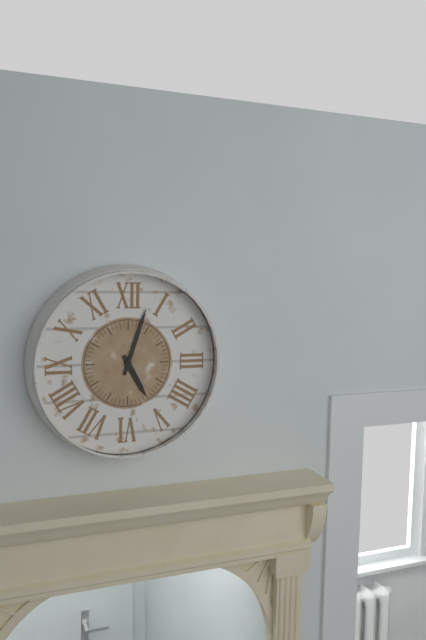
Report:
5,03
